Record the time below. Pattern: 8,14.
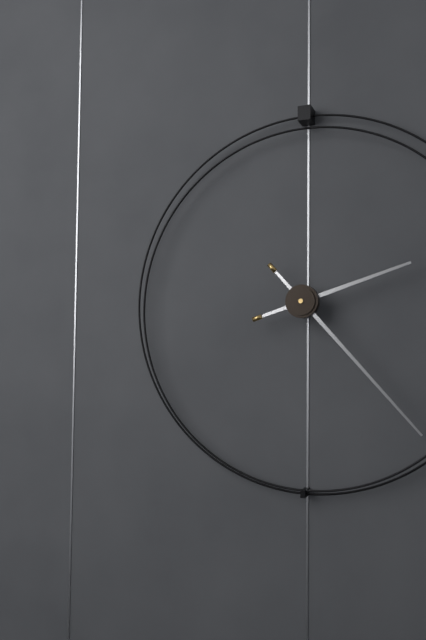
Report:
2,23
